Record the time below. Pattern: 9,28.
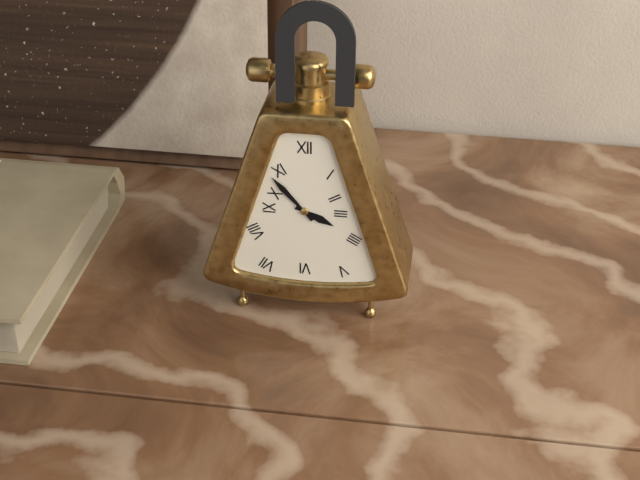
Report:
3,53
